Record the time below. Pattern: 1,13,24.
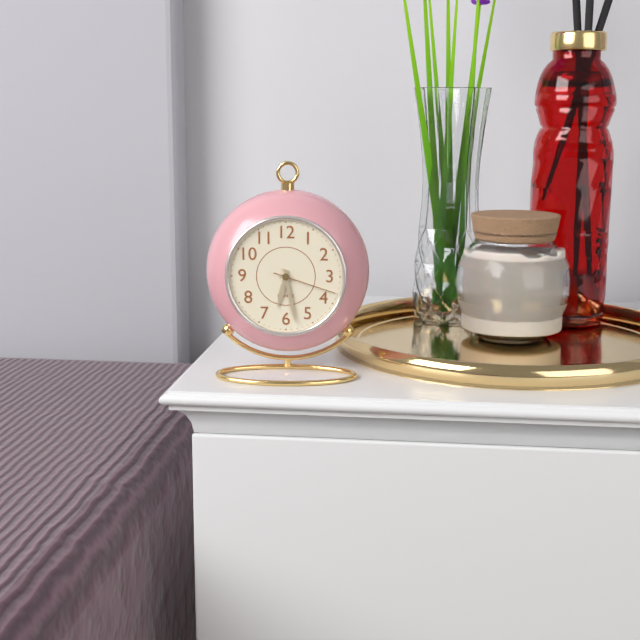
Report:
6,28,18
